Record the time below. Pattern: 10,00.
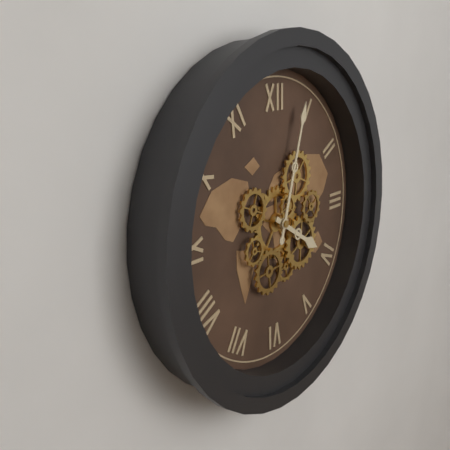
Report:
4,03
